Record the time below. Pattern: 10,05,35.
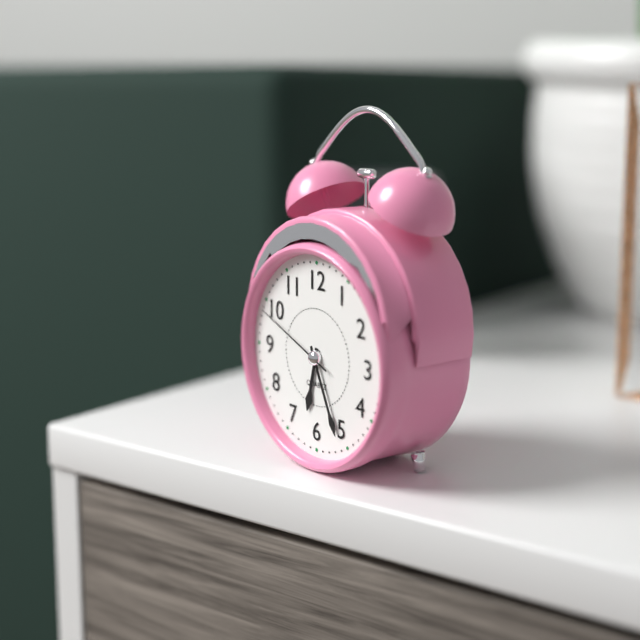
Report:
6,26,49
